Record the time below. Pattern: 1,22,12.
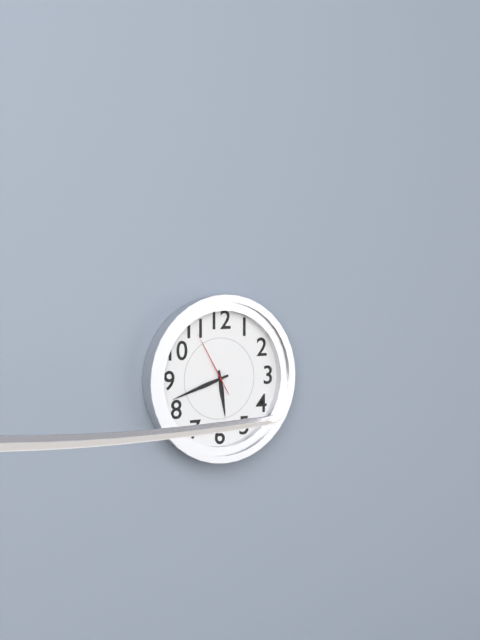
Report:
5,42,55
